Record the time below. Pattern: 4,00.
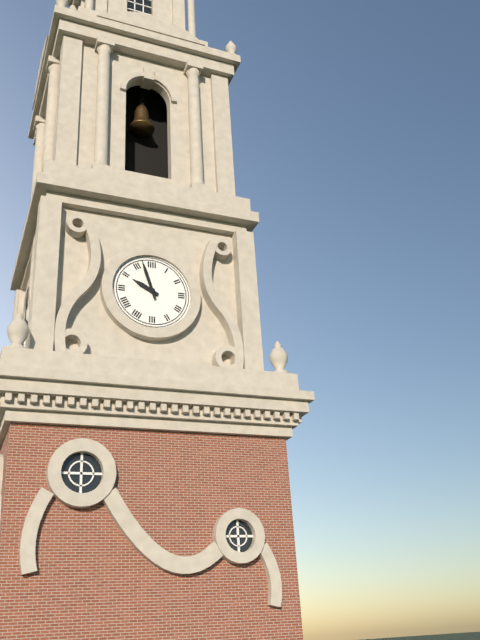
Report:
9,57
